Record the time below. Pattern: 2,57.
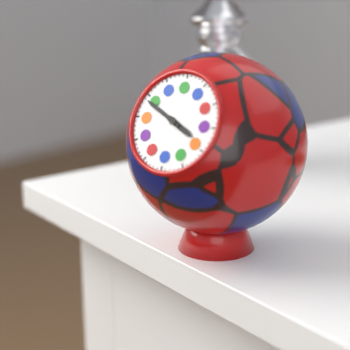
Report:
3,49
